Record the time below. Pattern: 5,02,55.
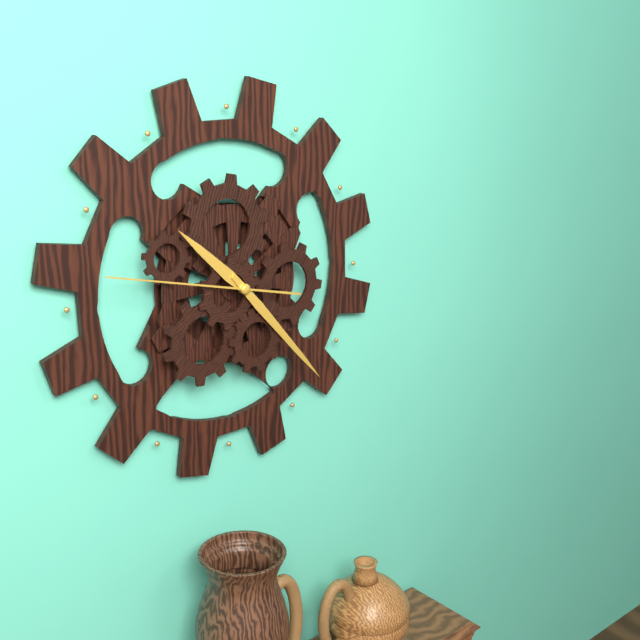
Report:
10,23,47
